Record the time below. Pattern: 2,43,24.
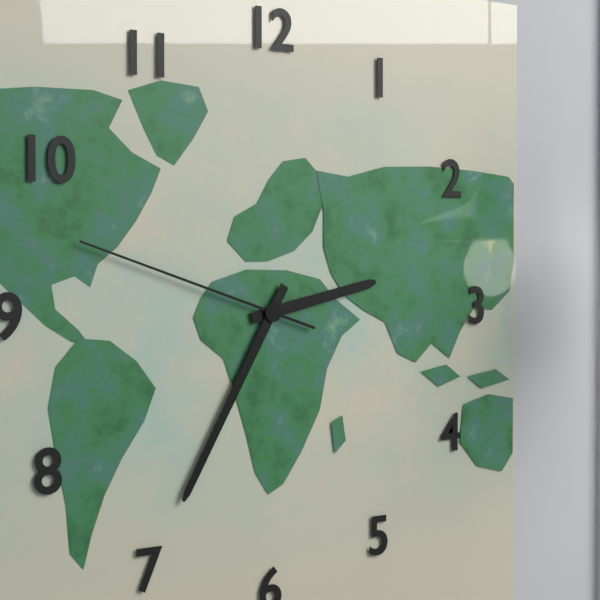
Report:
2,35,48
